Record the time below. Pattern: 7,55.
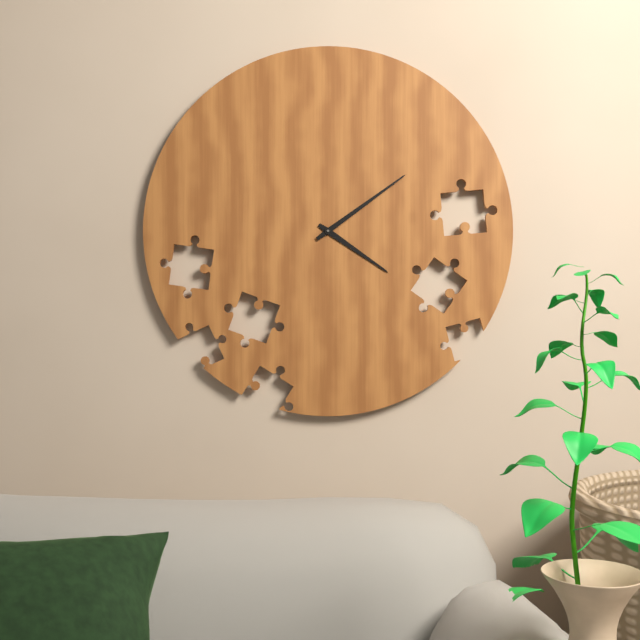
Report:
4,09
